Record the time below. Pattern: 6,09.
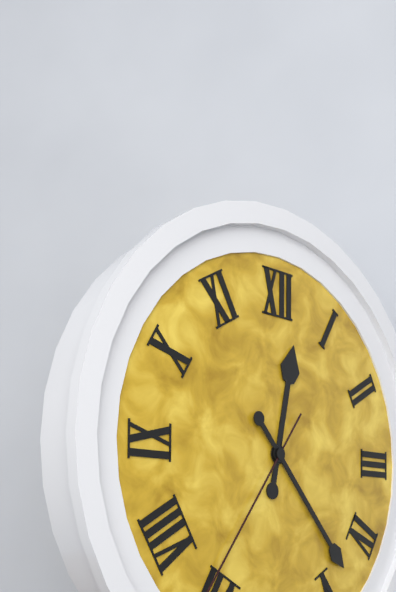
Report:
12,23
